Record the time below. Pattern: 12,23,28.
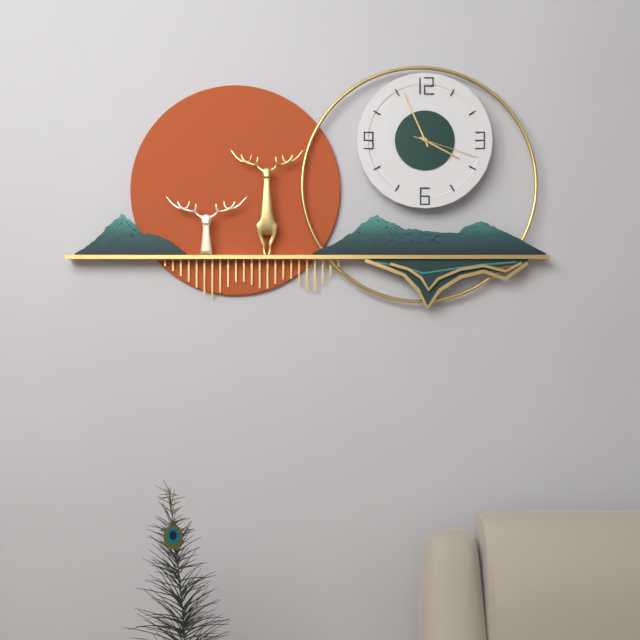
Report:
3,56,18
